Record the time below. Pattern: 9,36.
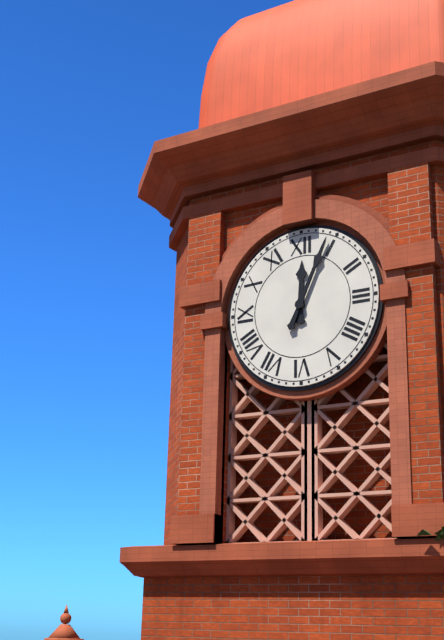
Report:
12,04
